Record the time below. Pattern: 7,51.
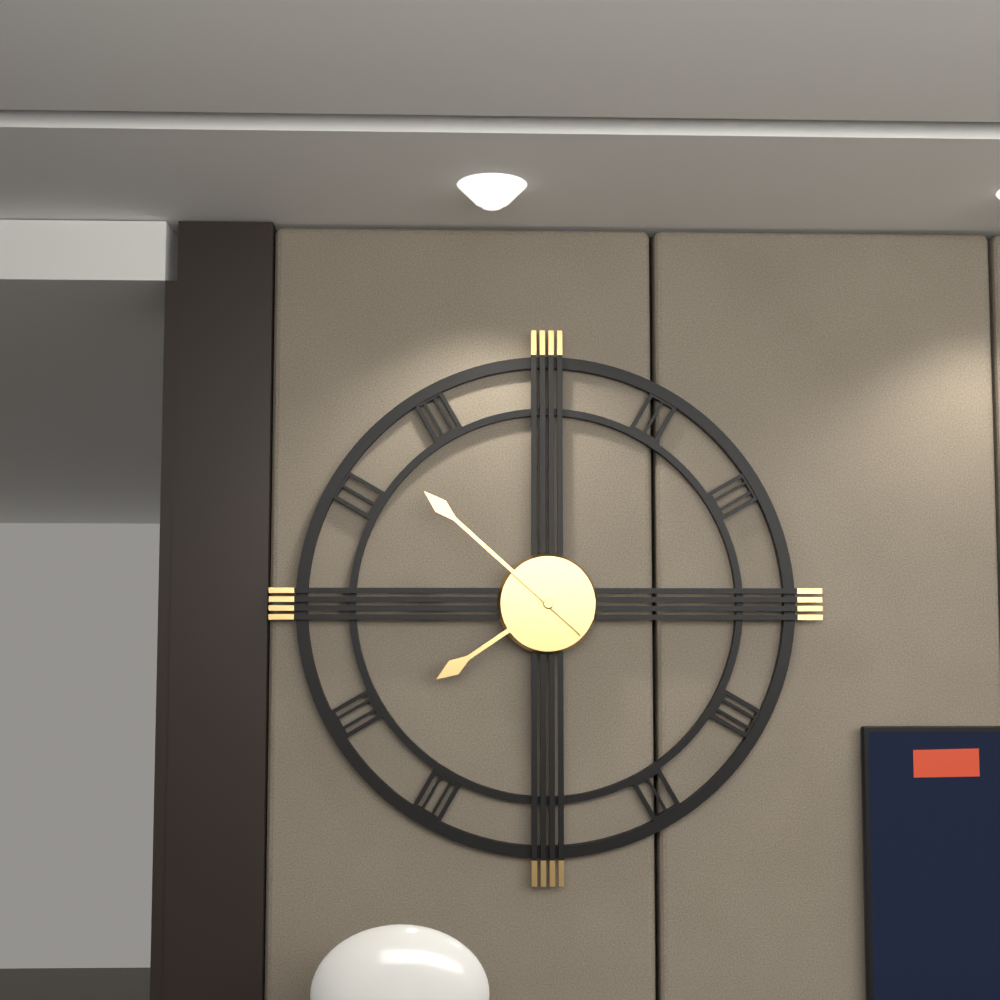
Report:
7,52
